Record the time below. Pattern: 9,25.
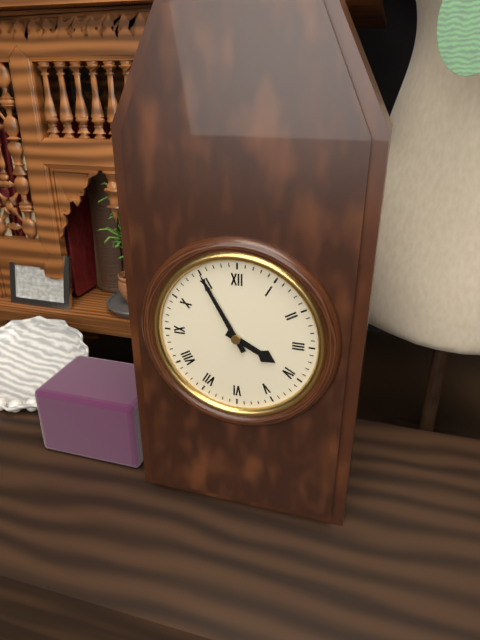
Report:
3,55
